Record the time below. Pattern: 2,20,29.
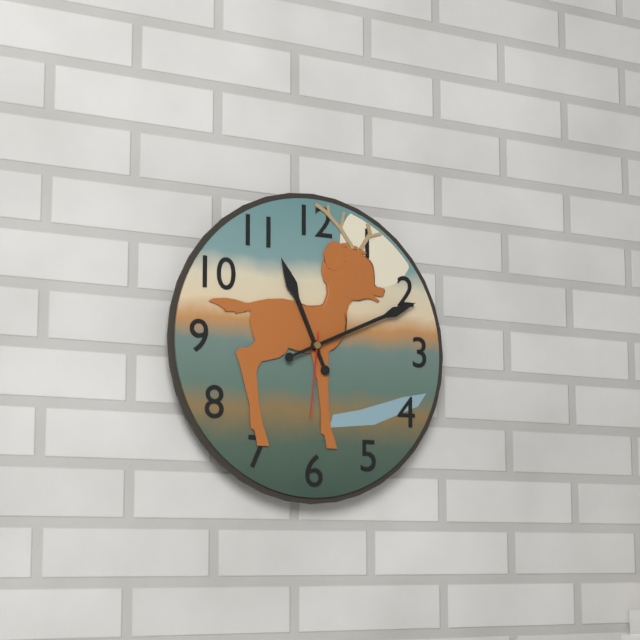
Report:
11,11,31
